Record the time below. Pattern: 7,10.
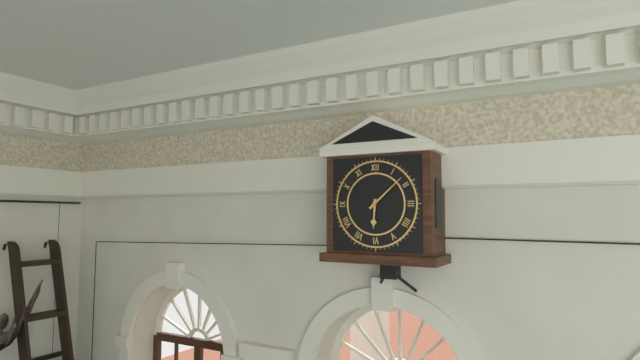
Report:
6,08
